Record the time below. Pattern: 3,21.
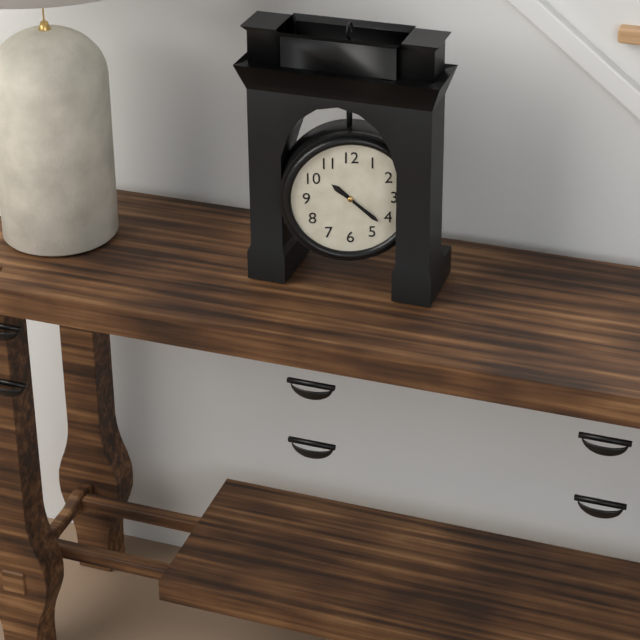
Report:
10,22
